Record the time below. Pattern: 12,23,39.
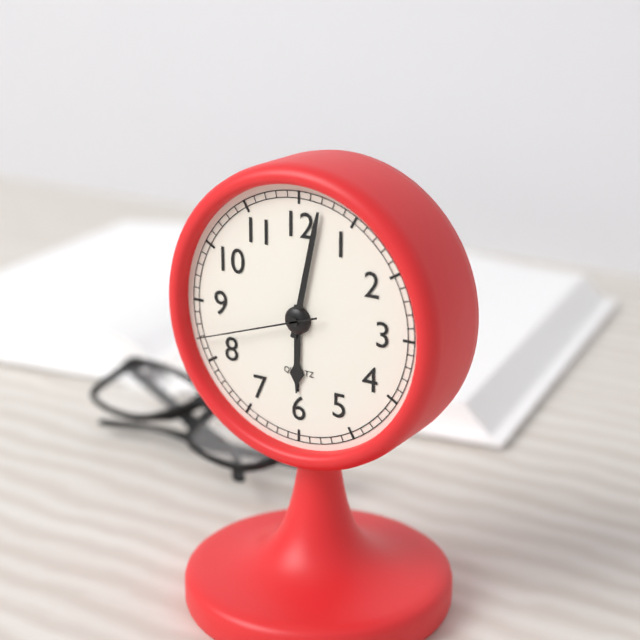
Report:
6,02,42
